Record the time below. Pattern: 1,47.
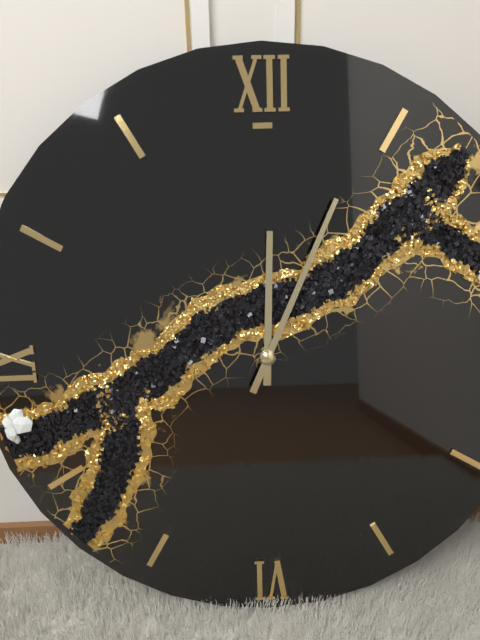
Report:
12,04
